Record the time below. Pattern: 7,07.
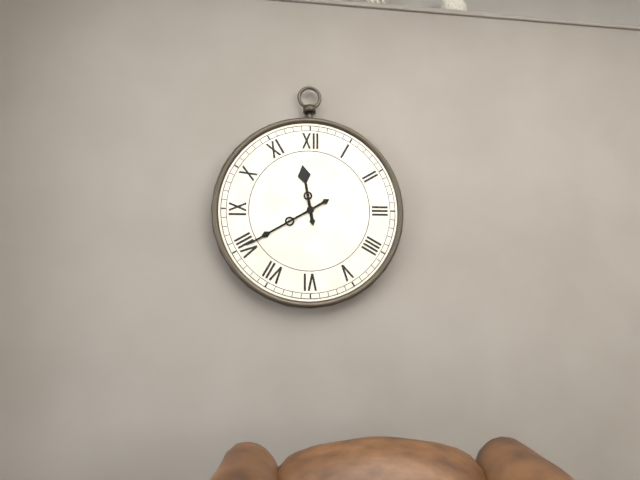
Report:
11,40
